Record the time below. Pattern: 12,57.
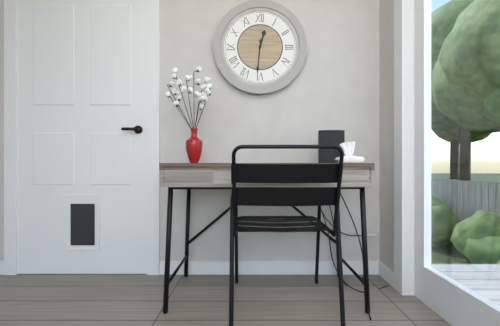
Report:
12,31
